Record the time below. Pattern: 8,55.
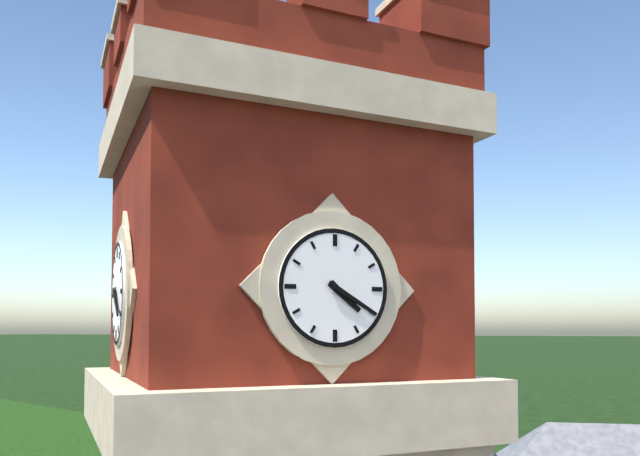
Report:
4,20
